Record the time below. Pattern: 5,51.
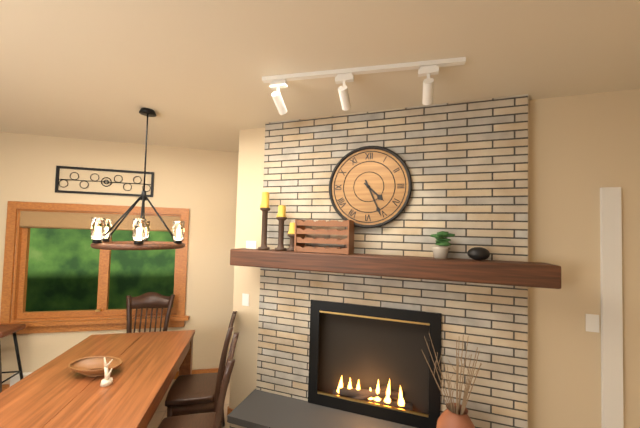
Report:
4,26
